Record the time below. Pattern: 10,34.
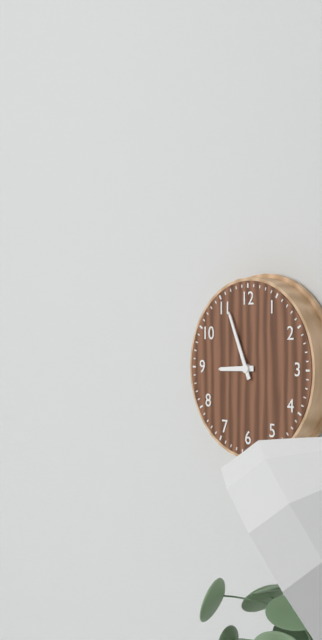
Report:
8,56
